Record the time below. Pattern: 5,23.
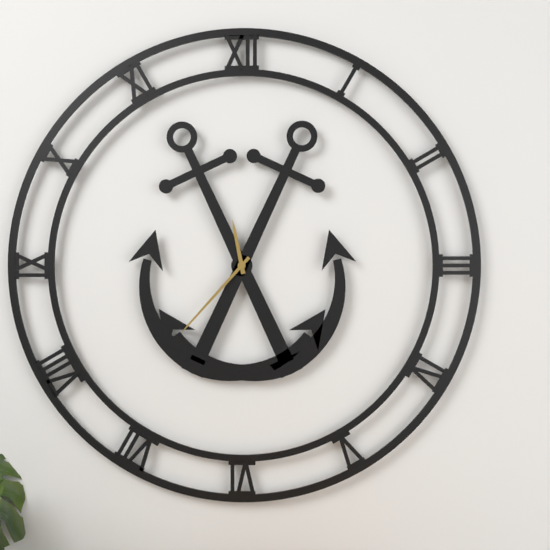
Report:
11,37
